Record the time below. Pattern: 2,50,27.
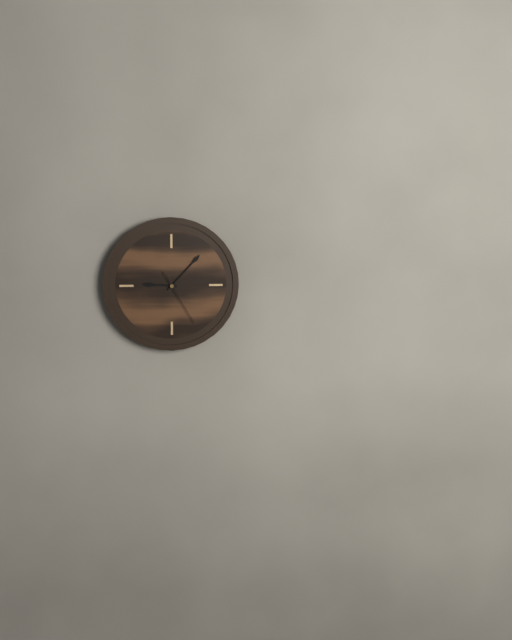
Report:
9,07,25
